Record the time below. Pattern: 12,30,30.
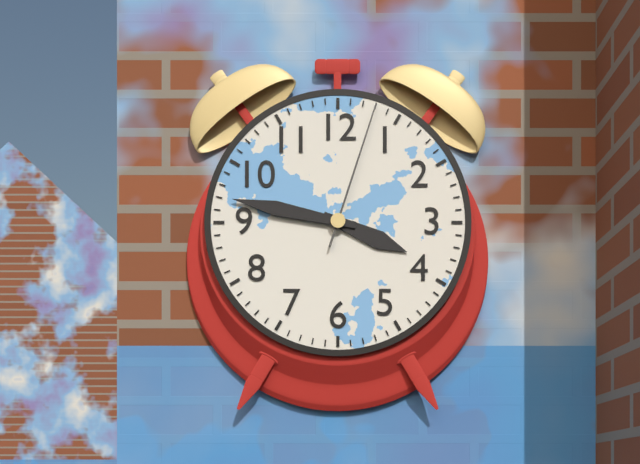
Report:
3,47,03
